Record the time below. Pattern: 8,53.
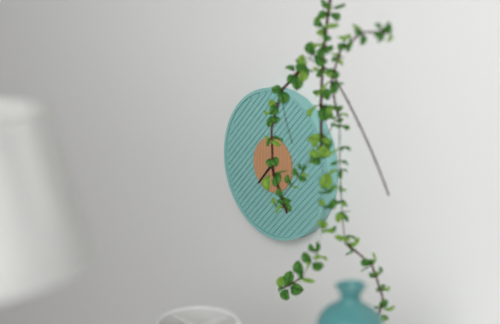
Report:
7,25
